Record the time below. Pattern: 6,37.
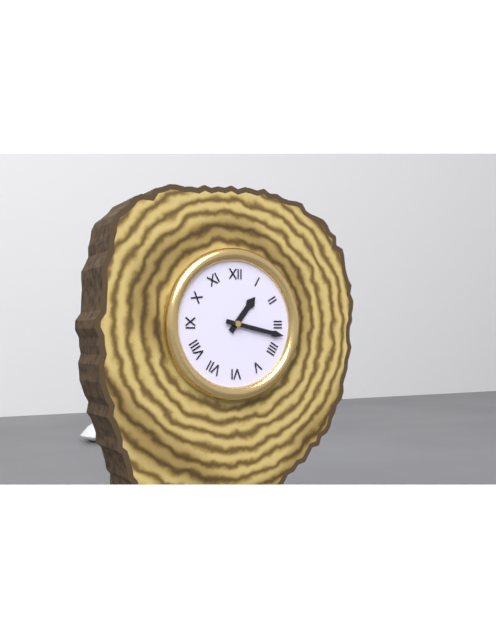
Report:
1,17
